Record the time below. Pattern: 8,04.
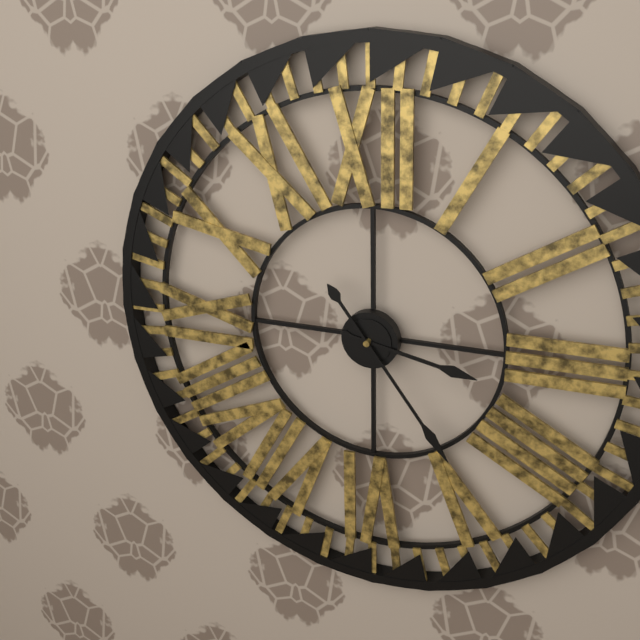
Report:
3,24
